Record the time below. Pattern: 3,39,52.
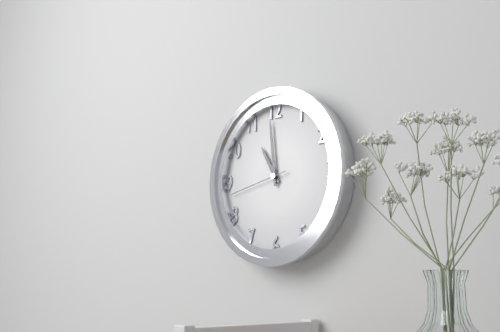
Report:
10,59,43
